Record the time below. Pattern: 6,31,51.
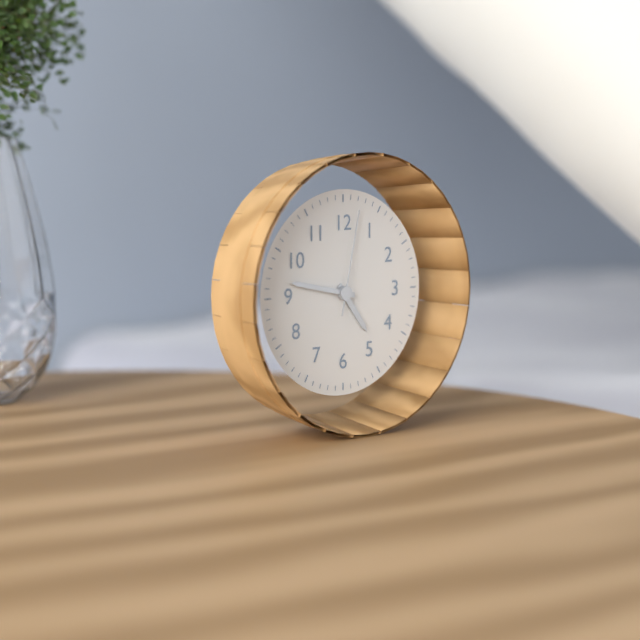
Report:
4,47,02
